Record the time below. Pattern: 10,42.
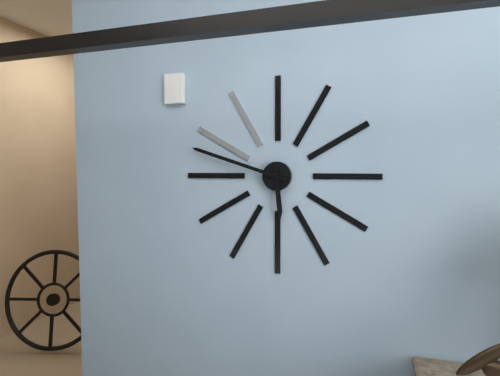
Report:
5,48
